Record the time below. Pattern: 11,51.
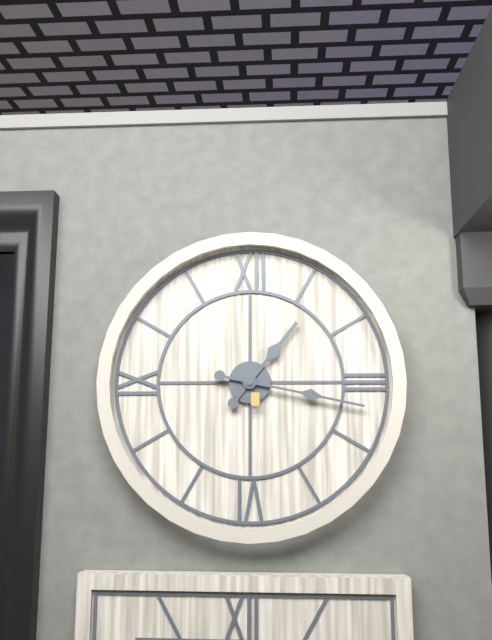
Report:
1,17
